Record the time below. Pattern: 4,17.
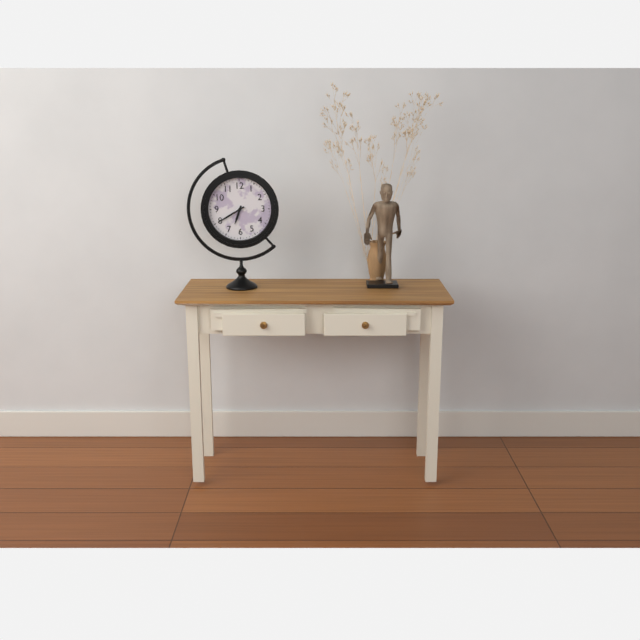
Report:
6,40
